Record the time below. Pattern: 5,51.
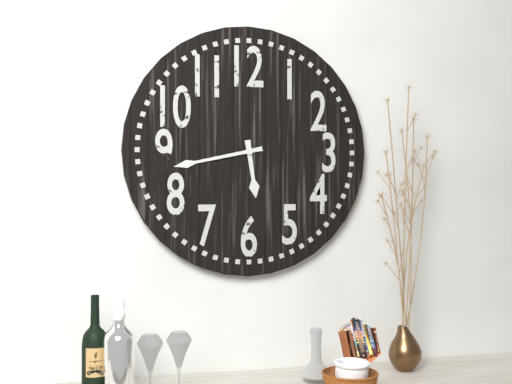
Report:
5,43
